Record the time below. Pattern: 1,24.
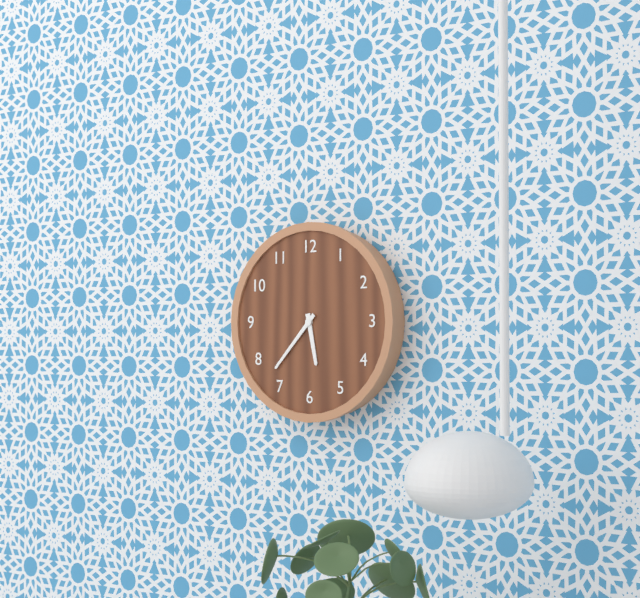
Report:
5,37
